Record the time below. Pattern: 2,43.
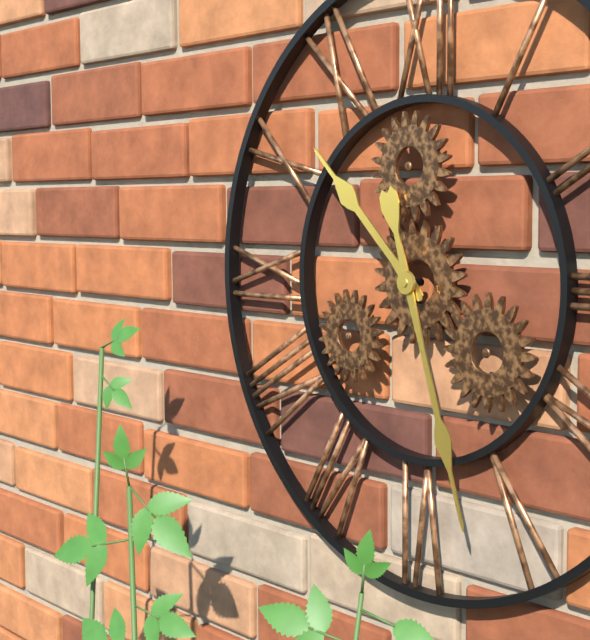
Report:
10,27
